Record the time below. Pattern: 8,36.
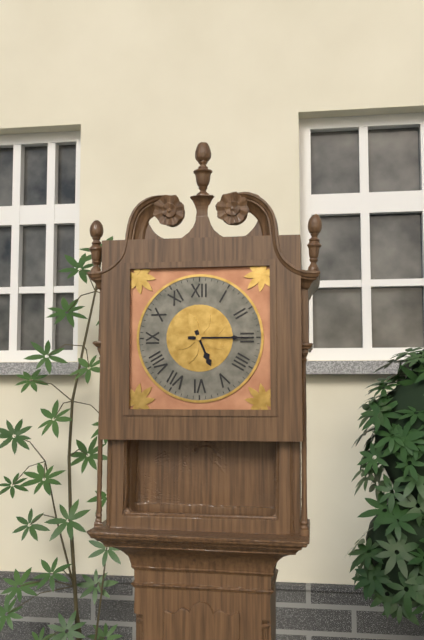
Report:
5,15
